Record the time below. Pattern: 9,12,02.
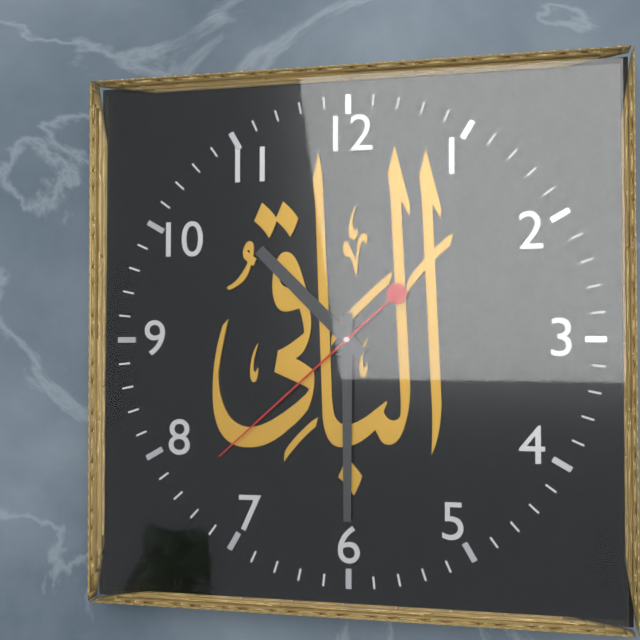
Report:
10,30,38
